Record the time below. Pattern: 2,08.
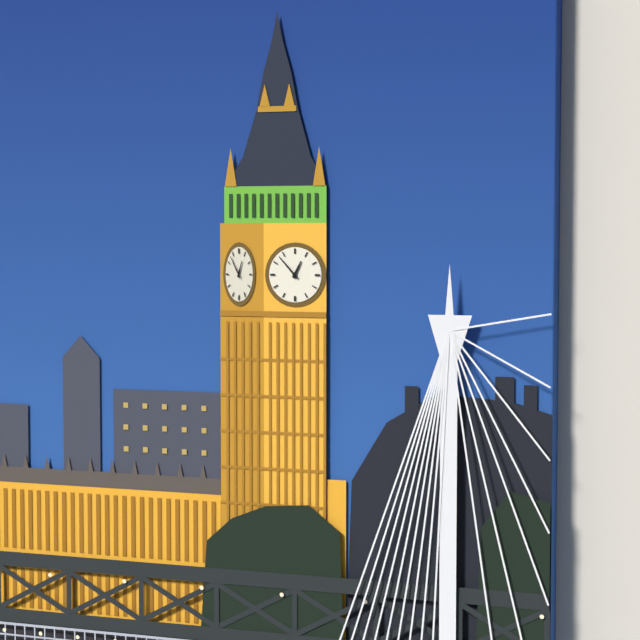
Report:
12,53
